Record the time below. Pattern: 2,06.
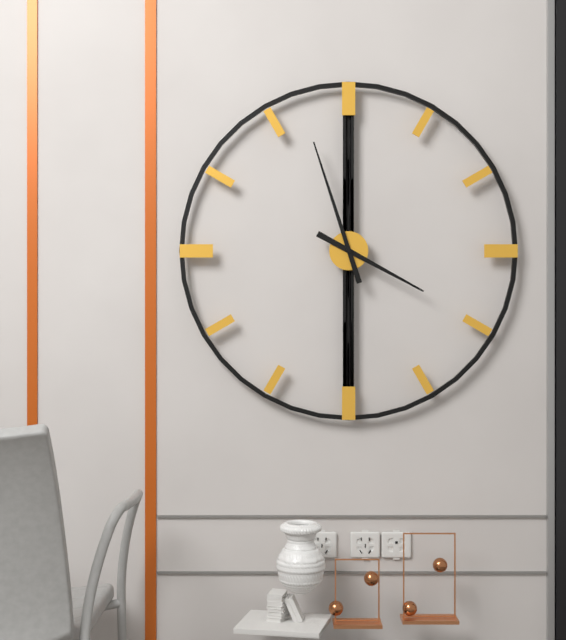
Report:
3,57
